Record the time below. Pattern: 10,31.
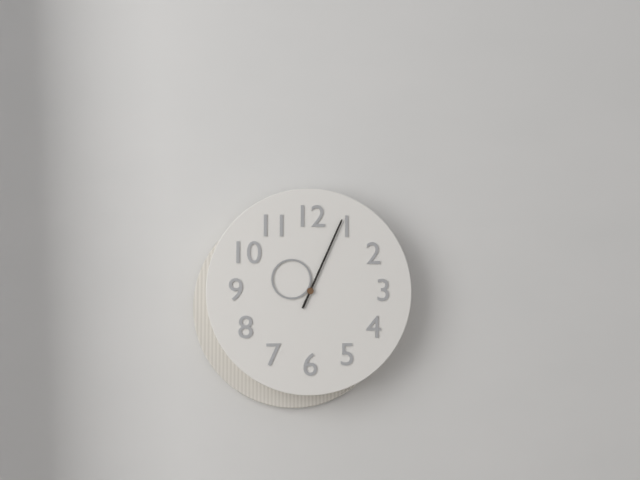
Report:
10,04
